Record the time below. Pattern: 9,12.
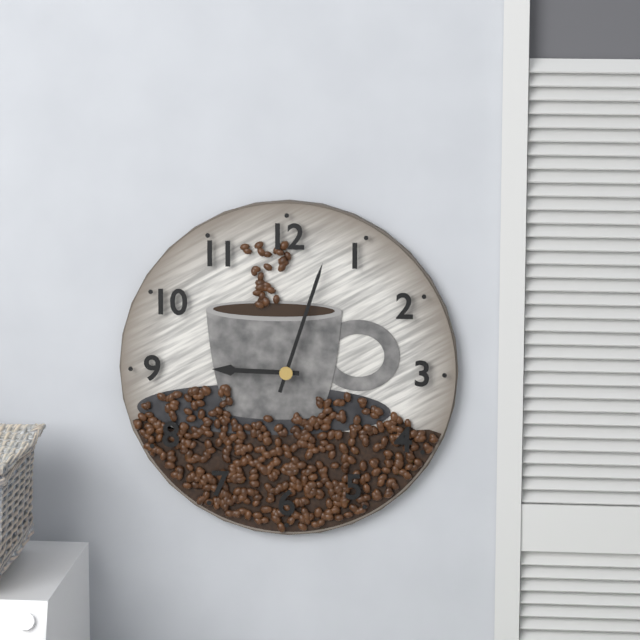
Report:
9,03
